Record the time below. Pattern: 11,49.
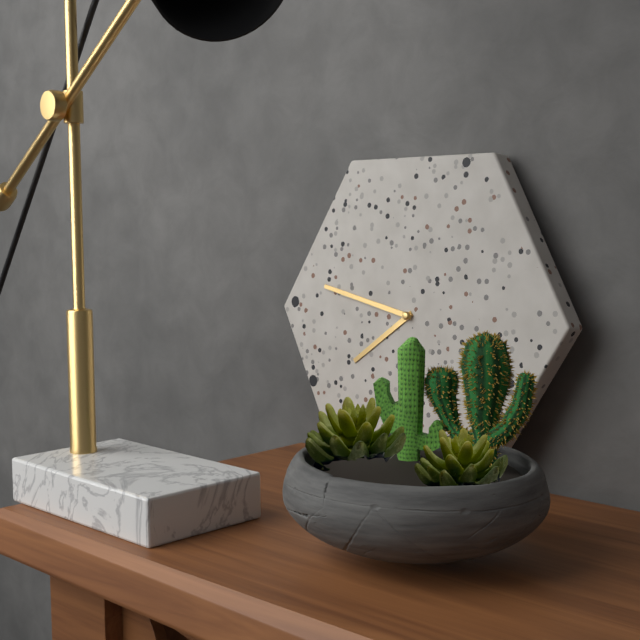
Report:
7,47
